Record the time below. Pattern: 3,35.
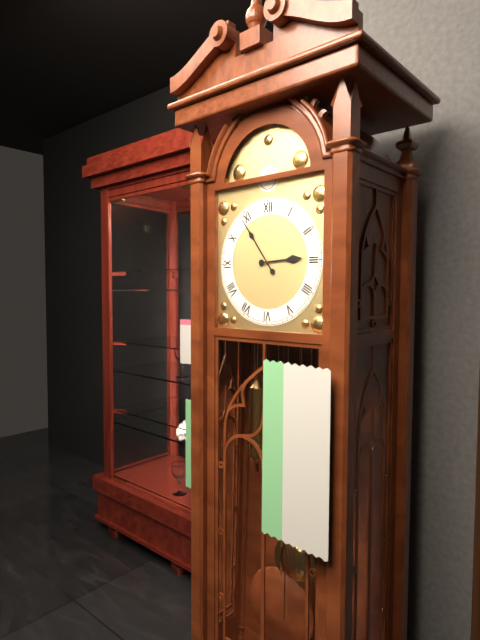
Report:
2,54
